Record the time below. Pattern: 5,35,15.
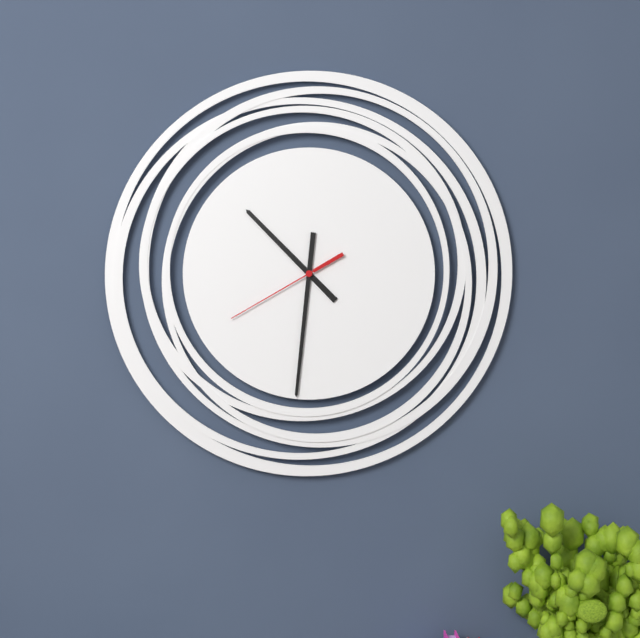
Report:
10,31,40
